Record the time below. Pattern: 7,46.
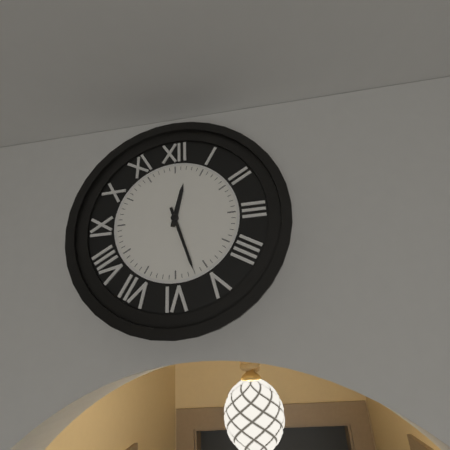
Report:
12,27
